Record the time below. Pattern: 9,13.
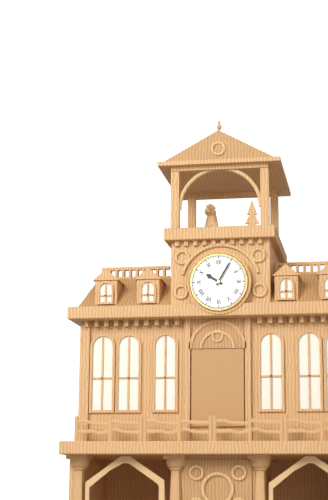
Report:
10,05
